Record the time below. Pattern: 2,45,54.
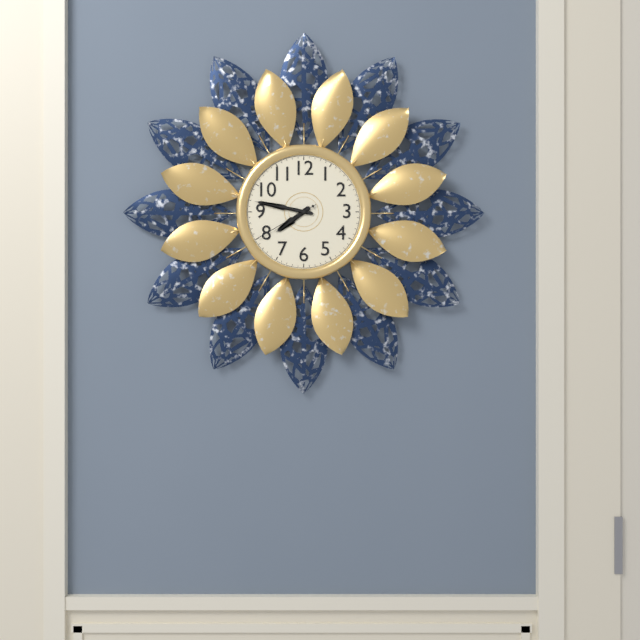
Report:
7,47,40
